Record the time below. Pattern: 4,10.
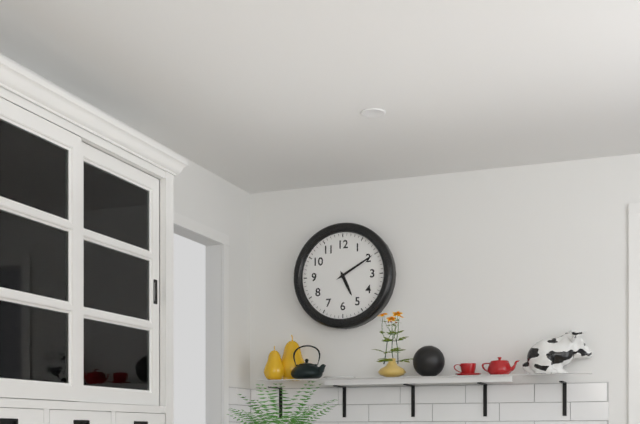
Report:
5,10
